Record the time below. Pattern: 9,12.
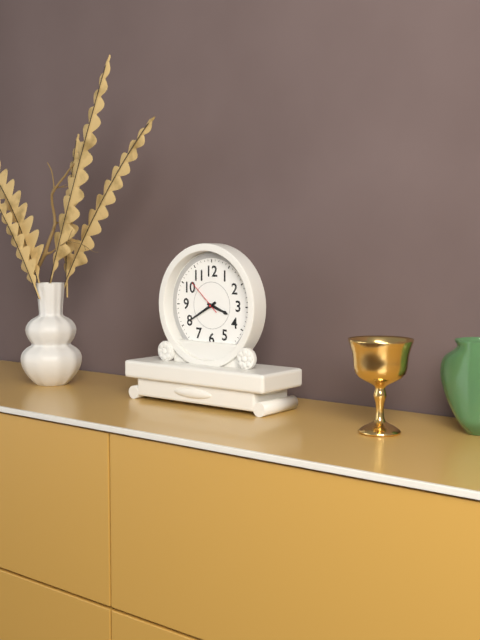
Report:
3,40
